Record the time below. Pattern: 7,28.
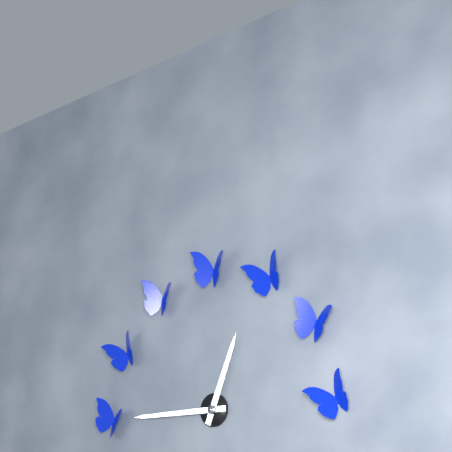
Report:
12,45
